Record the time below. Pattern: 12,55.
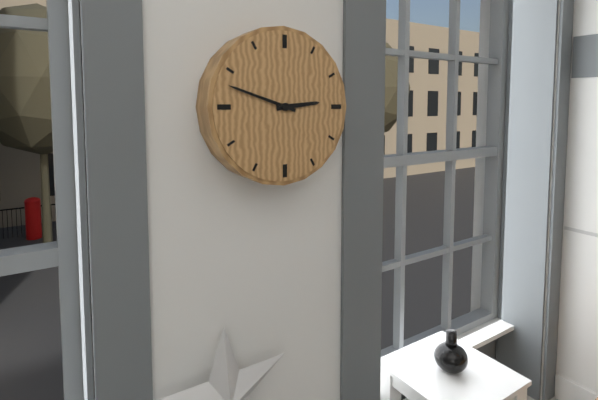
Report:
2,48
